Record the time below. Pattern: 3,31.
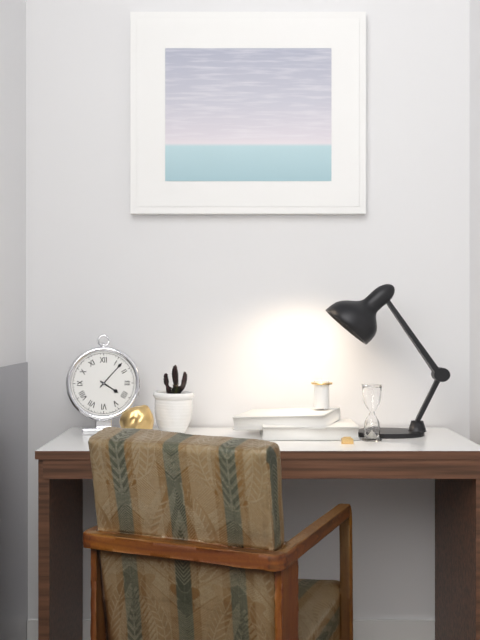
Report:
4,07
